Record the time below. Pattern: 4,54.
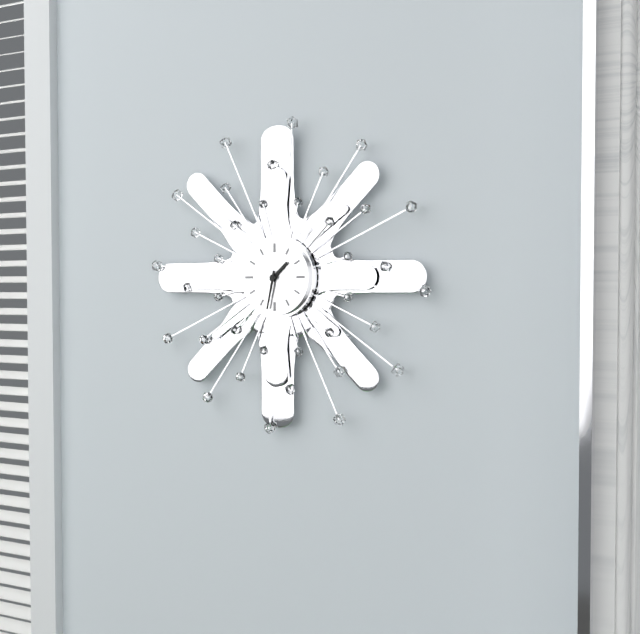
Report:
1,32
